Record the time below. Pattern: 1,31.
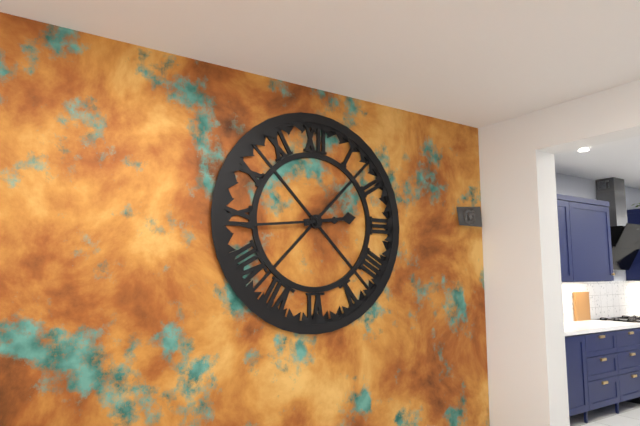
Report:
2,44
